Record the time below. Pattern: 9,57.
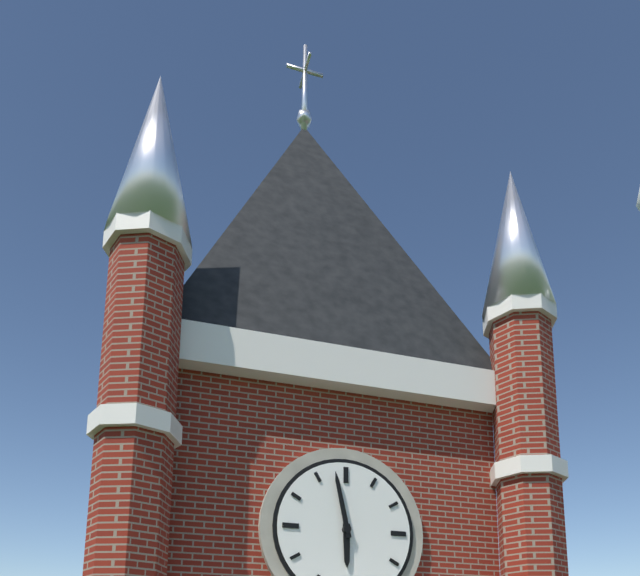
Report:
5,58
